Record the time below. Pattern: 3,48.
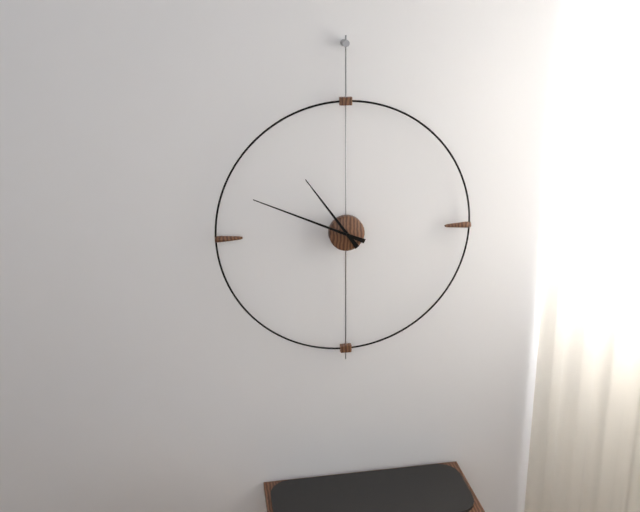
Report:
10,49
